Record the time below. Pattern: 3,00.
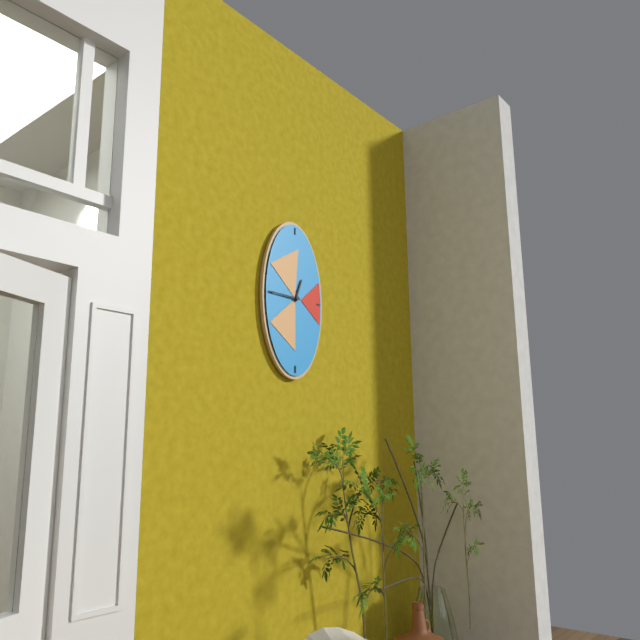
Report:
12,45
